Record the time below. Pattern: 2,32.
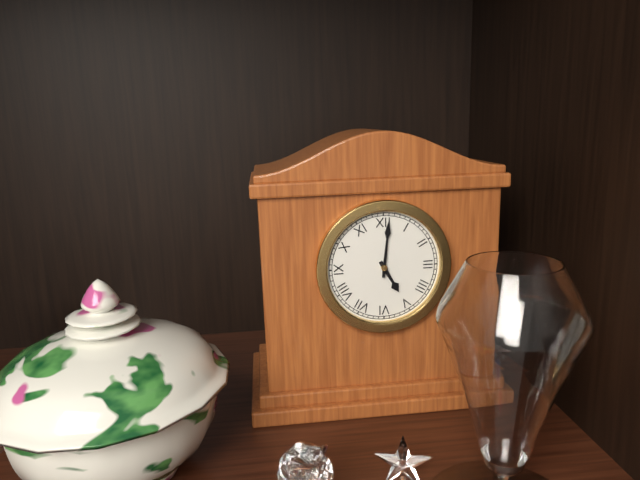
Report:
5,01
